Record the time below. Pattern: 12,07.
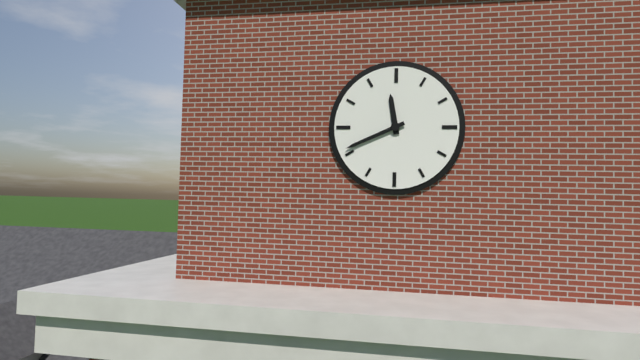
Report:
11,41
